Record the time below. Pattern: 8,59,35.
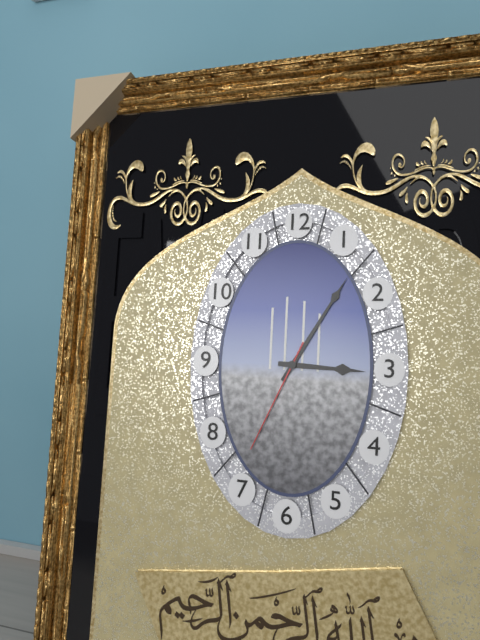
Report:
3,05,34
